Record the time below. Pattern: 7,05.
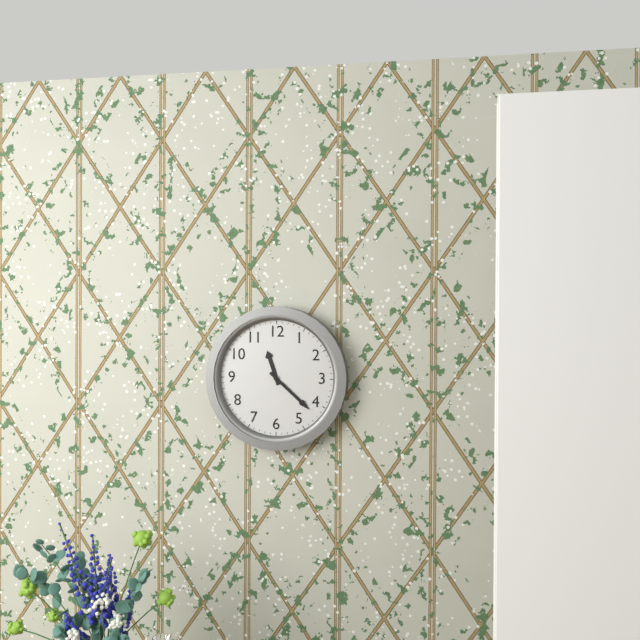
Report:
11,22
